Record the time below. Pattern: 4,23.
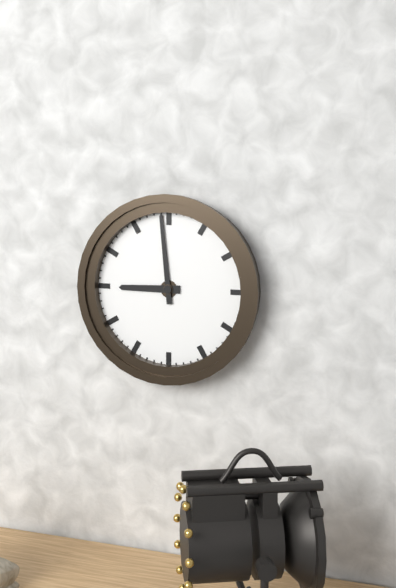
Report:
8,59
